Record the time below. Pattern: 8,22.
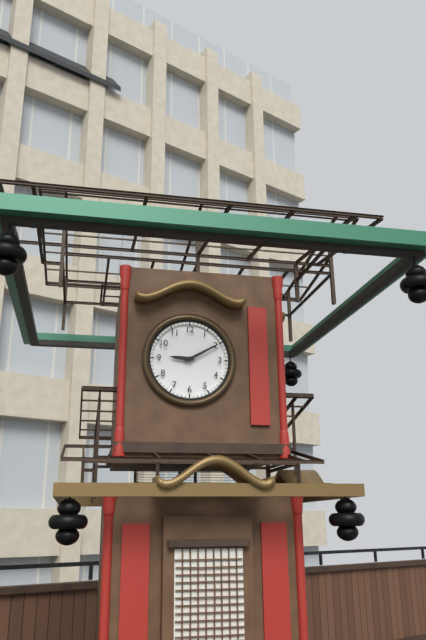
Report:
9,10
